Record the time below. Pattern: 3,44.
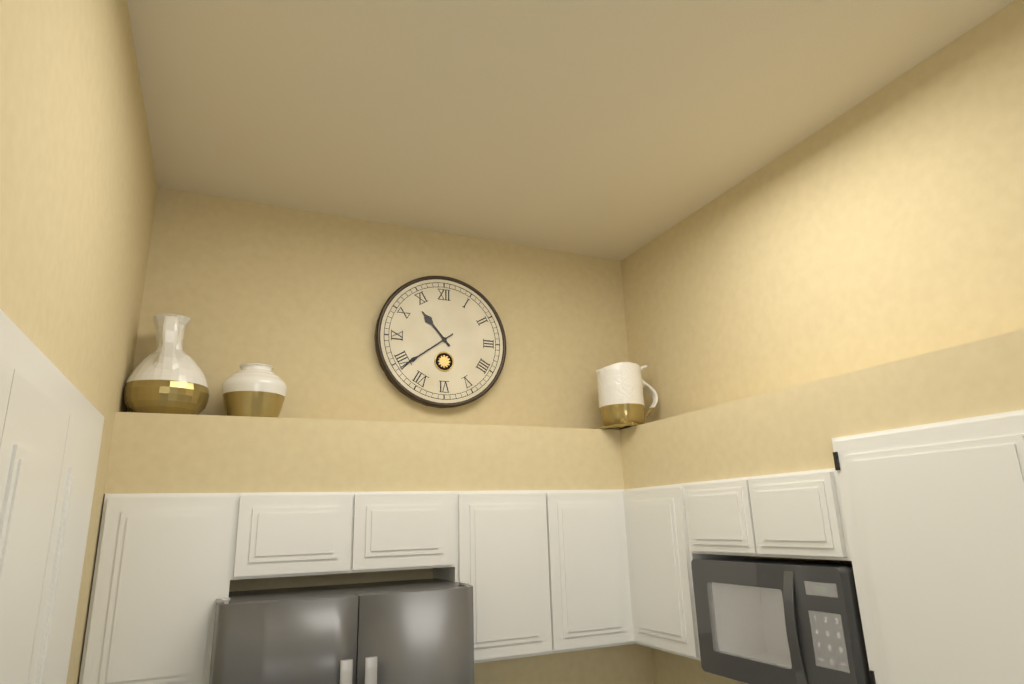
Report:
10,39
